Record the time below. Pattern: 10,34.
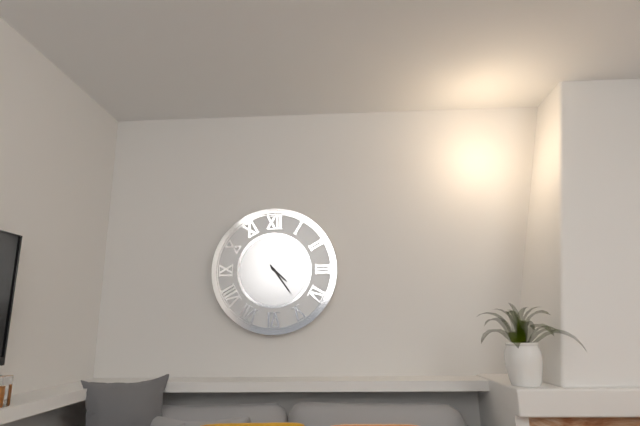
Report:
4,24
